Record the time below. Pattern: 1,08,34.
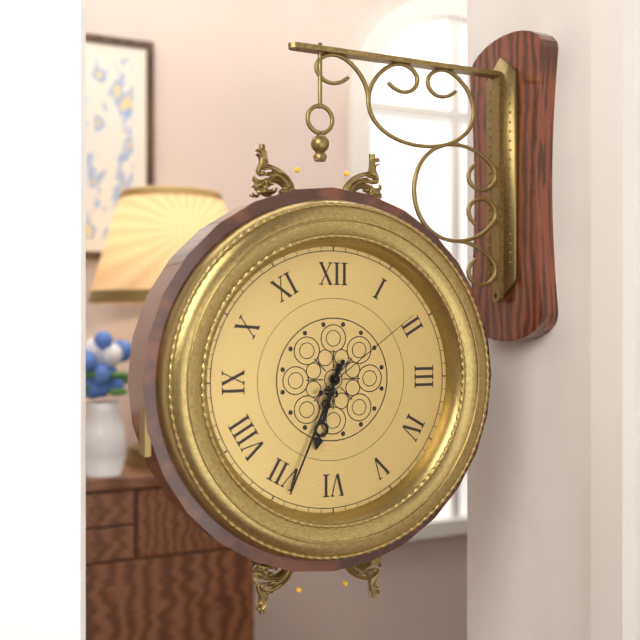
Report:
6,34,09
